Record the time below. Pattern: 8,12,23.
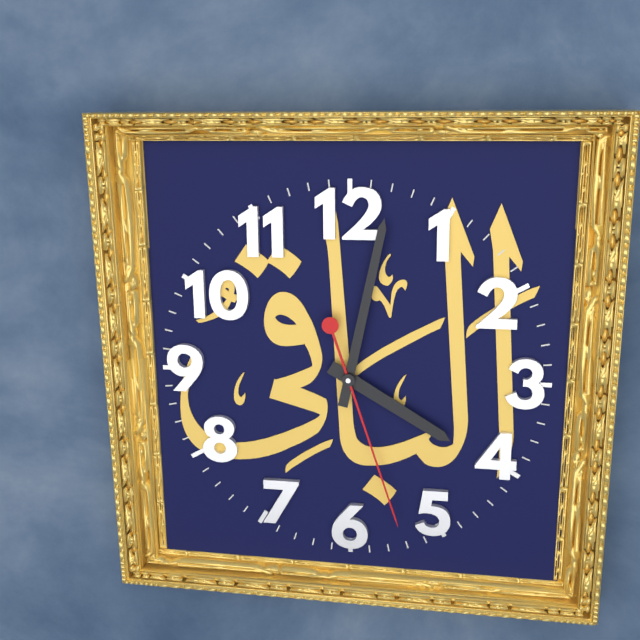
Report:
4,02,27
